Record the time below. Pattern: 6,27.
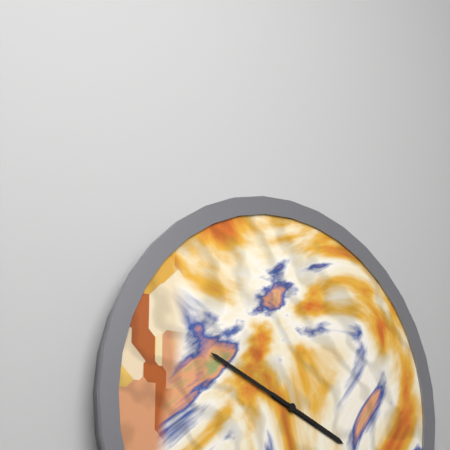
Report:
3,49
